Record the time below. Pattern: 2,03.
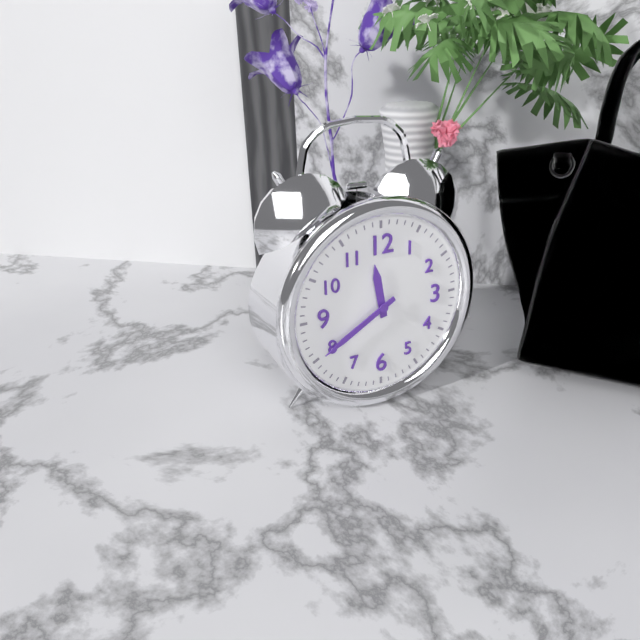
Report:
11,40
